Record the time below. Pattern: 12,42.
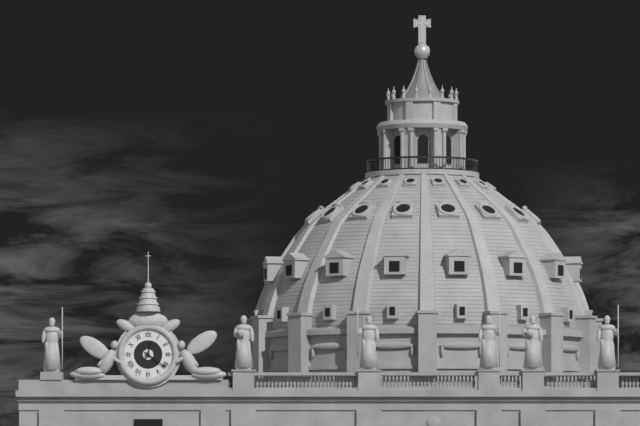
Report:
12,21
